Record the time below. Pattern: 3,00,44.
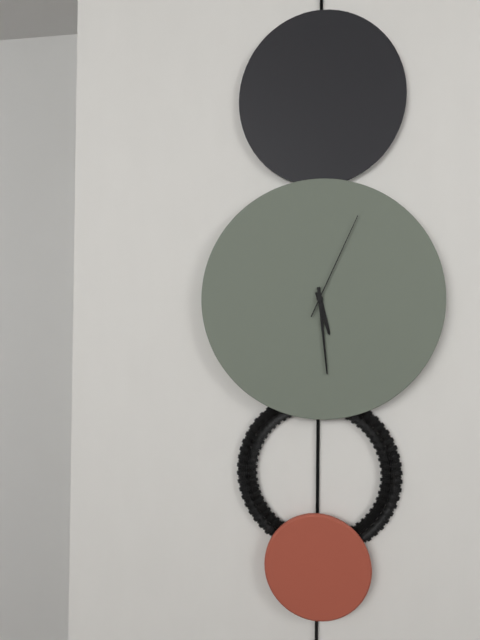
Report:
5,29,04
